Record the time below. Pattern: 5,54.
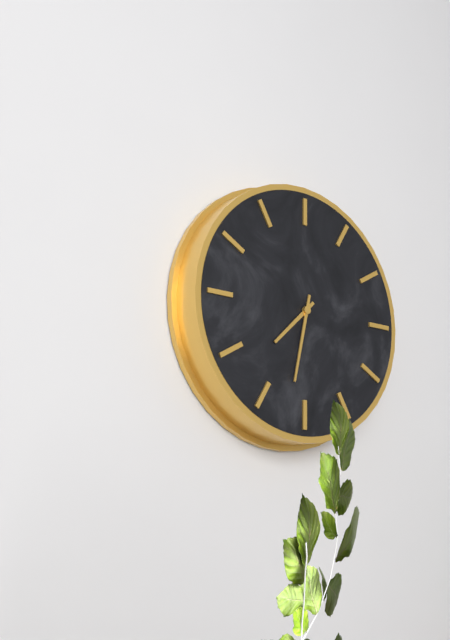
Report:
7,32
